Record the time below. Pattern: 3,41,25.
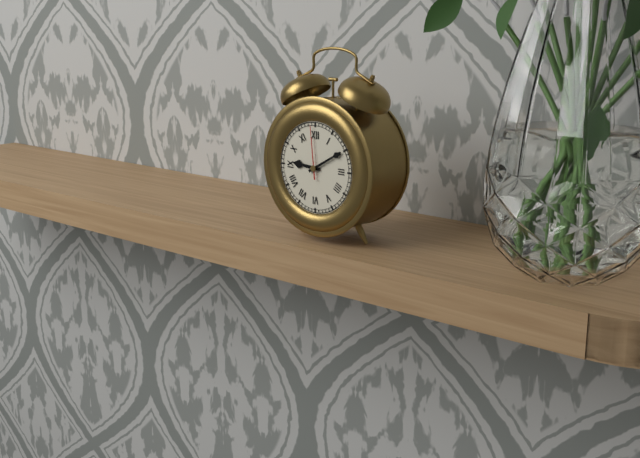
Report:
9,10,59
